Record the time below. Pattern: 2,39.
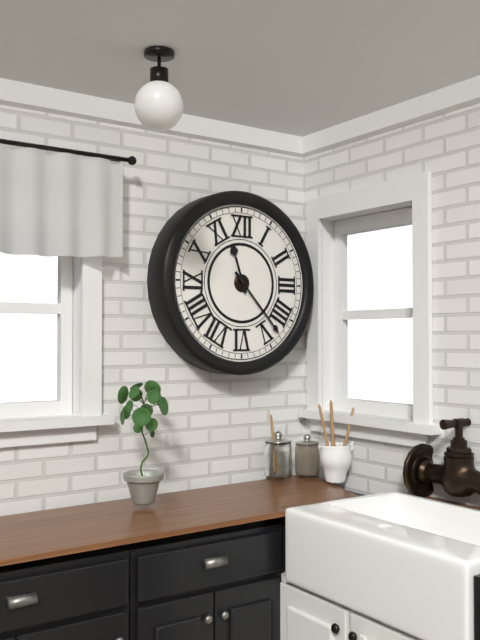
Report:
11,23
